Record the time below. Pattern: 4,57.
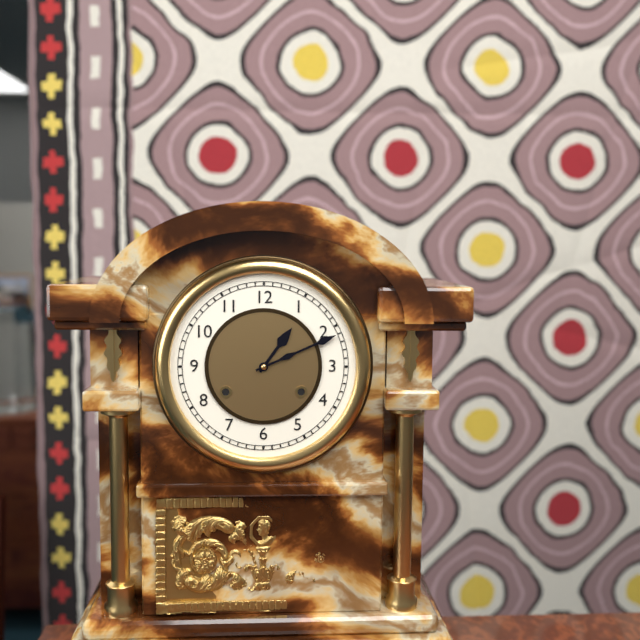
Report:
1,11
